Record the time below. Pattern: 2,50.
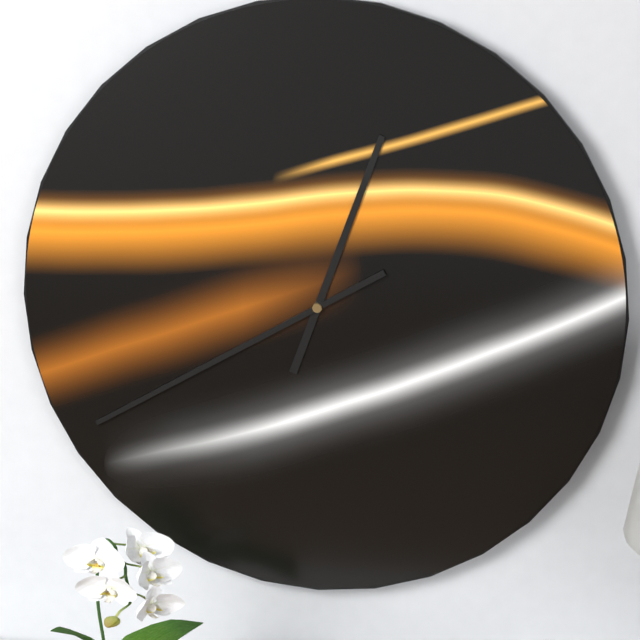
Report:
12,40
